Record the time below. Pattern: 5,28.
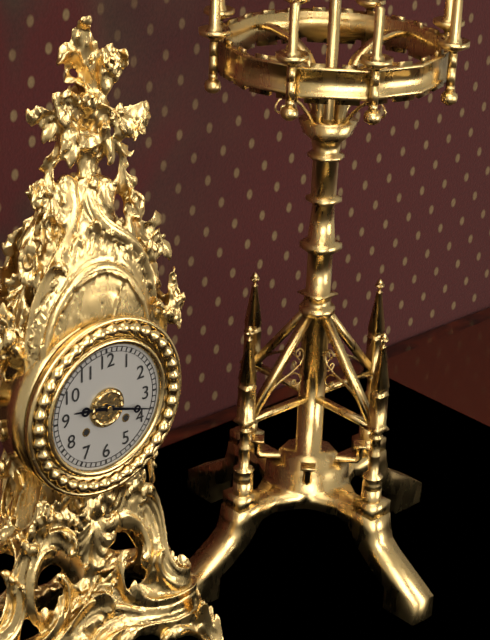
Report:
9,18
